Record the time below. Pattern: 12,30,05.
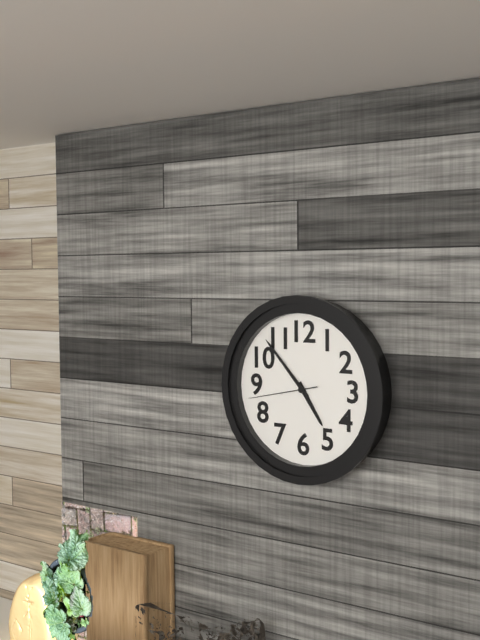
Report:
4,53,43
